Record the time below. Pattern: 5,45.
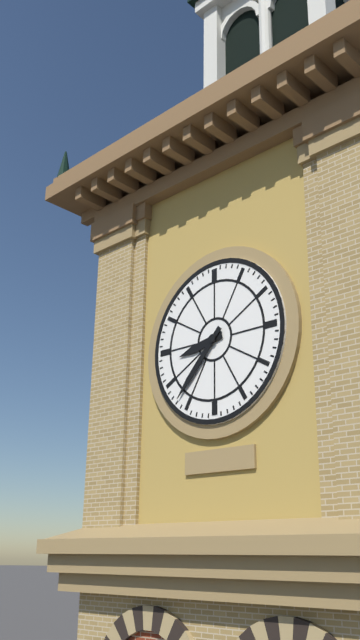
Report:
8,37
